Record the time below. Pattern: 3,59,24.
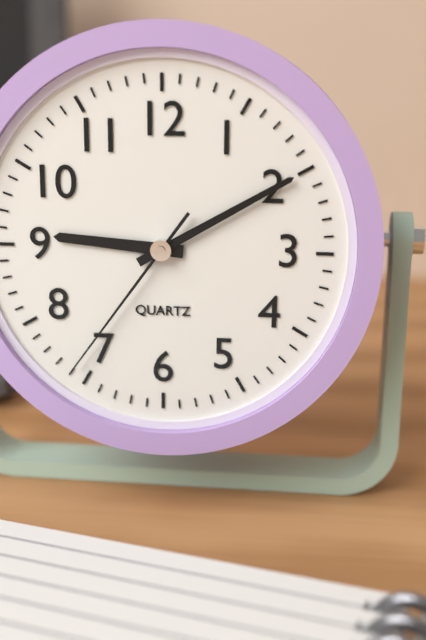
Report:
9,10,36
